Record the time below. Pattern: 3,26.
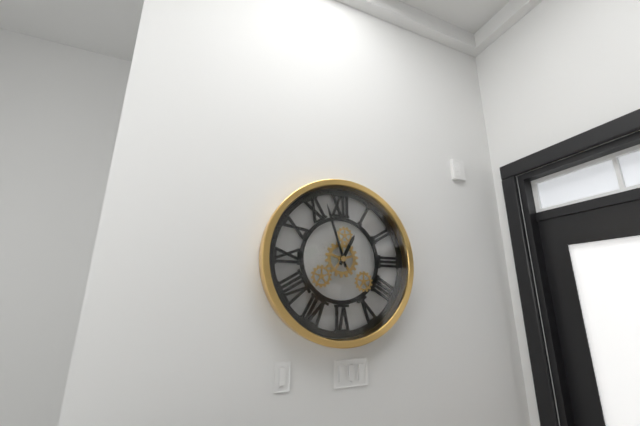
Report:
12,57
